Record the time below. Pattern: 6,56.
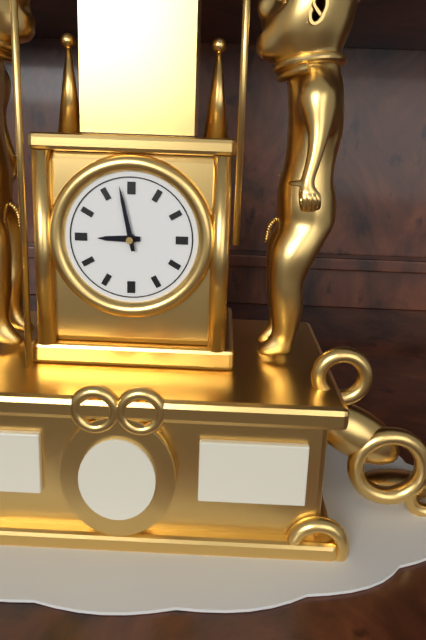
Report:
8,58
